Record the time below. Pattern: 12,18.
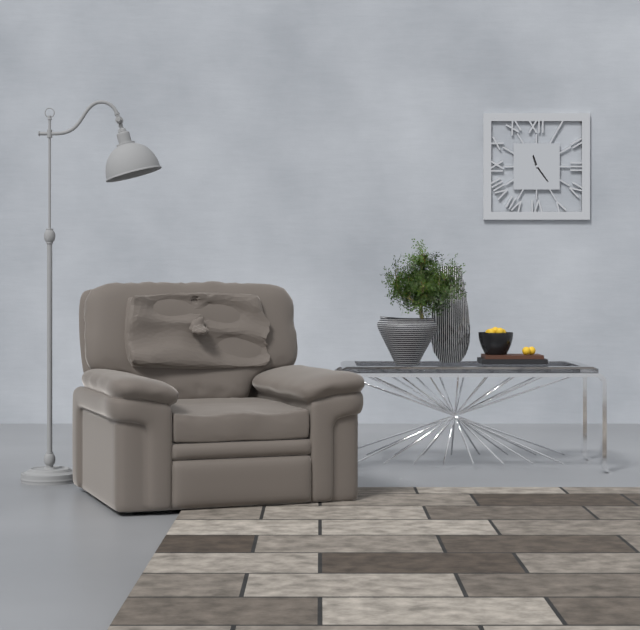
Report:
11,24
